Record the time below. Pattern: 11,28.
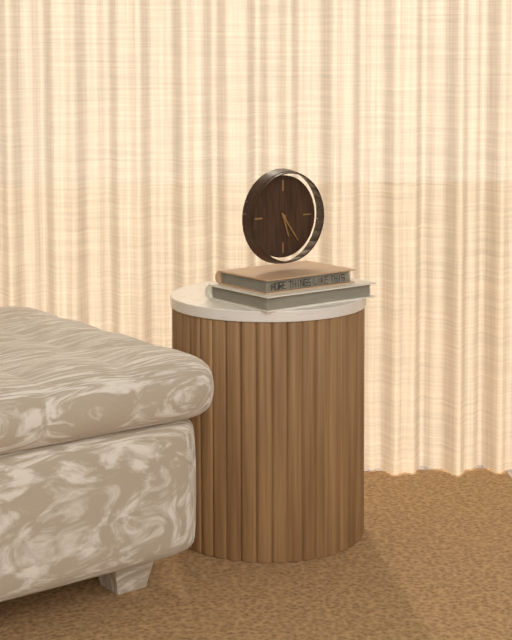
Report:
5,24
